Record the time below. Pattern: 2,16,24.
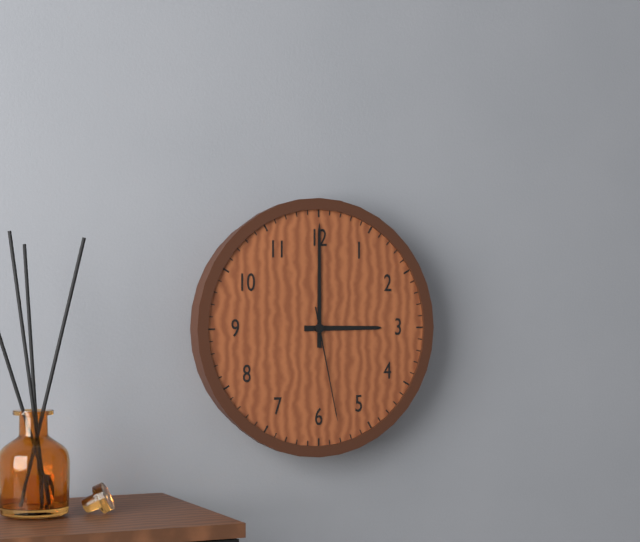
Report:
3,00,28
